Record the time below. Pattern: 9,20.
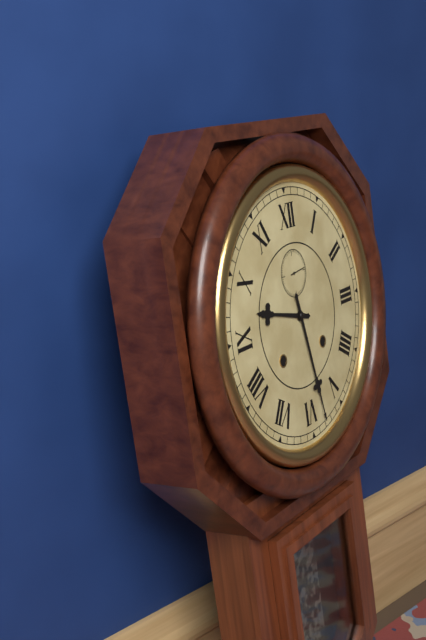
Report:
9,28
